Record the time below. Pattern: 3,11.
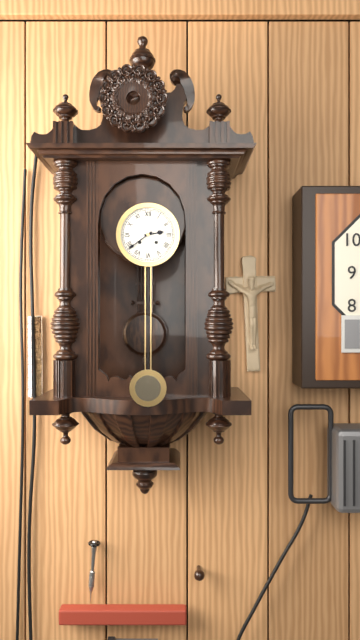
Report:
2,39
